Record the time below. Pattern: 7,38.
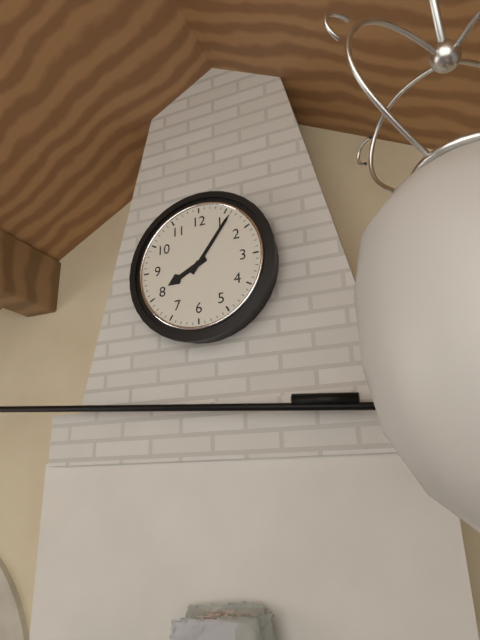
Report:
8,06
